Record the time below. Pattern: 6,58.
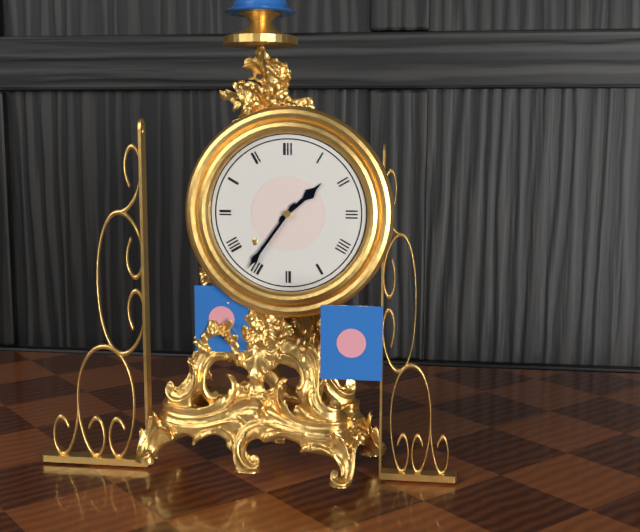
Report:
1,36
